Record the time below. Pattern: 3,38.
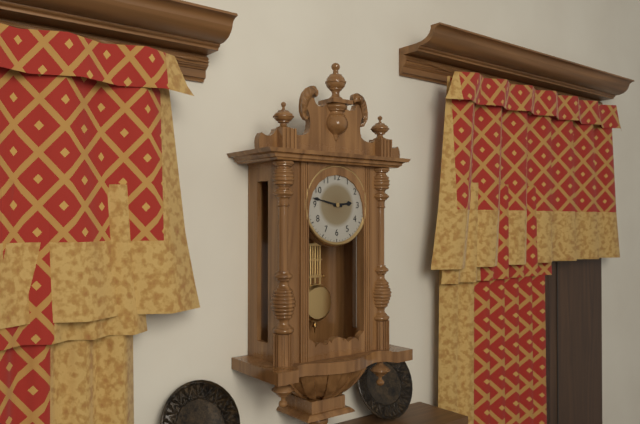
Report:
2,47
